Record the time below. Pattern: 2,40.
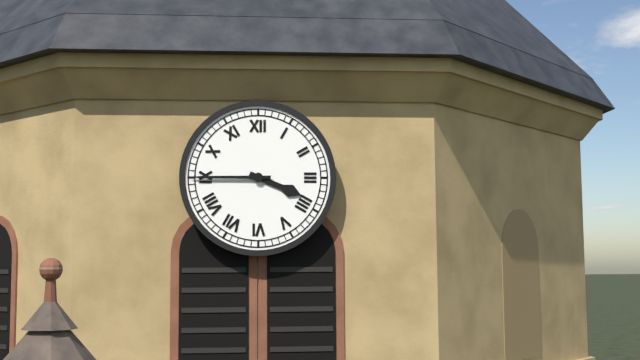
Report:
3,45
